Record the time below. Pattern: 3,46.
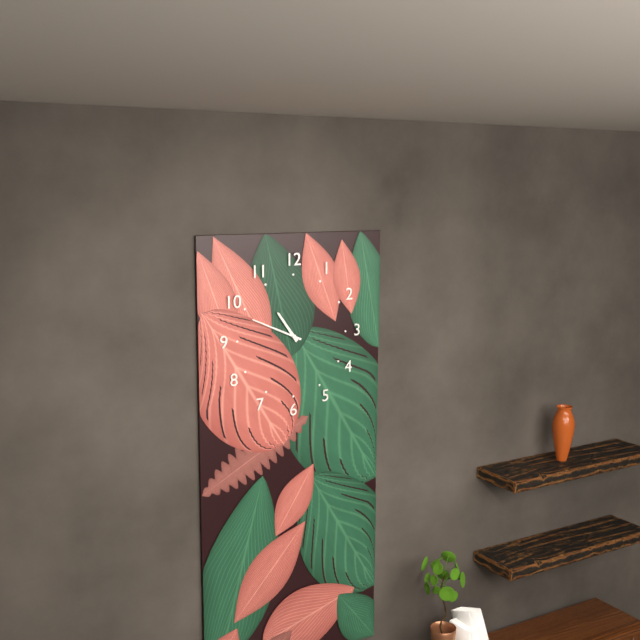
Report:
10,49
